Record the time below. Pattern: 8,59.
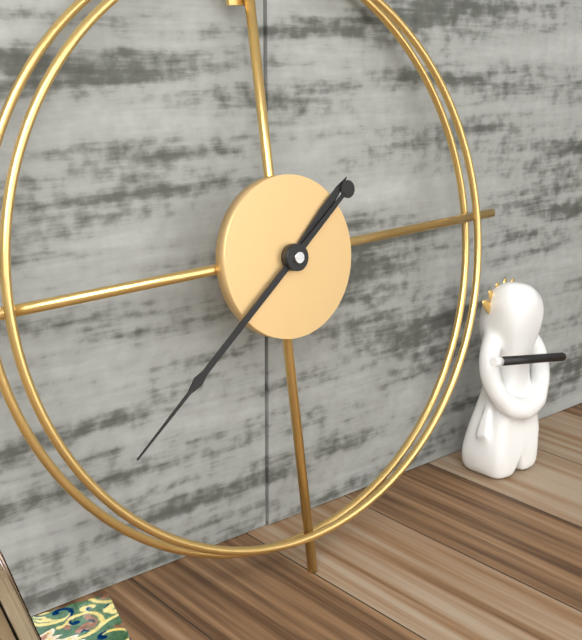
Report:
1,39
